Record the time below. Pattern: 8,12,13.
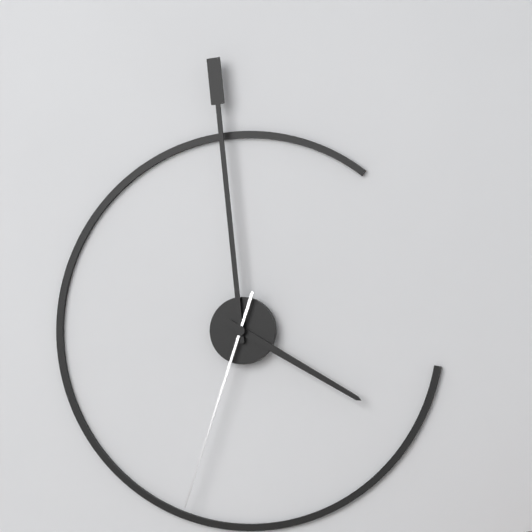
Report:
3,59,33
